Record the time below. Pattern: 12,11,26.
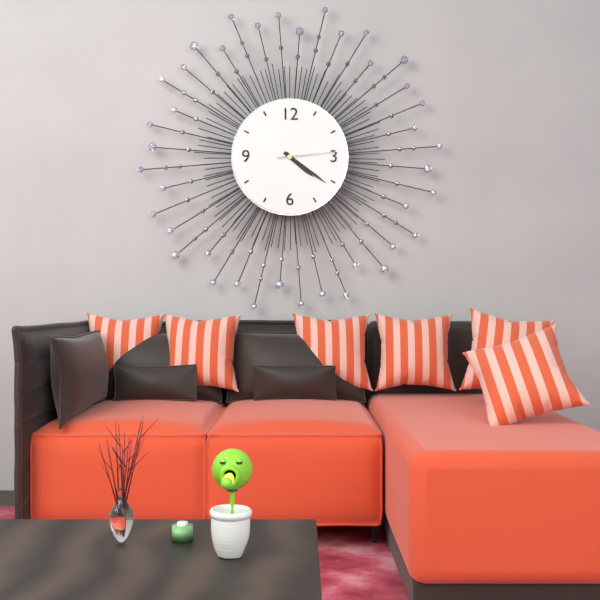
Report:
4,21,14
